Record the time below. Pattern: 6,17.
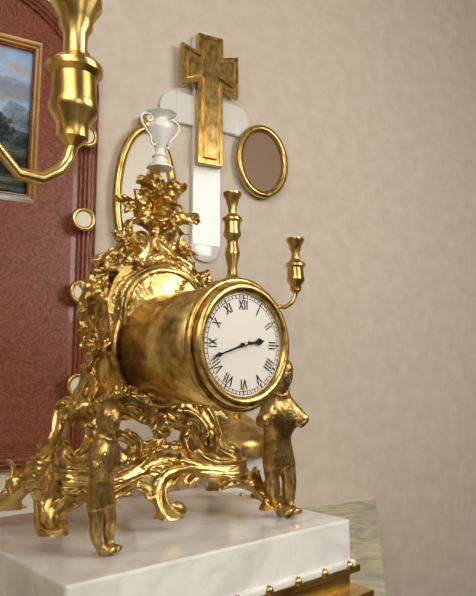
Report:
2,42
